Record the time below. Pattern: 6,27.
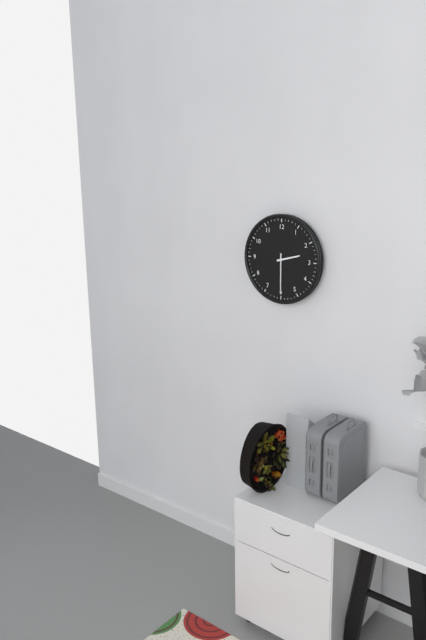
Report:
2,30
